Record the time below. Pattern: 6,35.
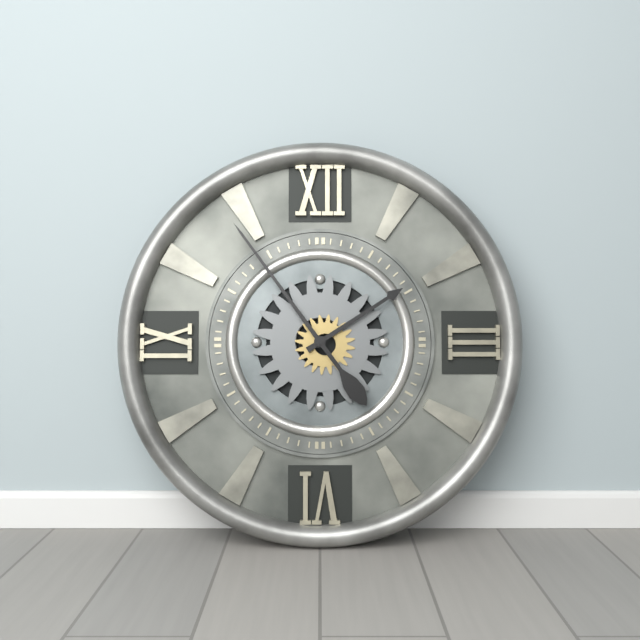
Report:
1,54
